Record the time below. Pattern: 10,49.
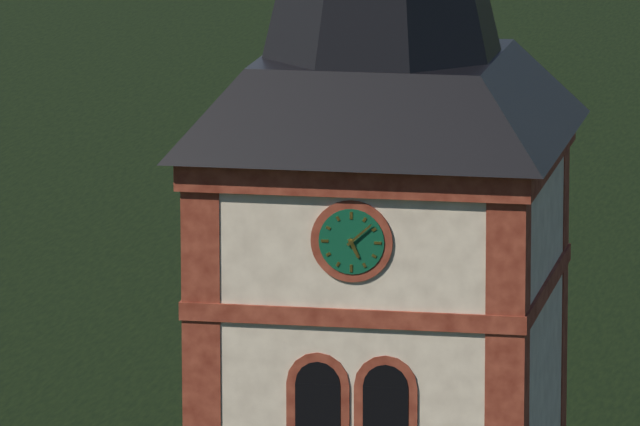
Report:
5,08
